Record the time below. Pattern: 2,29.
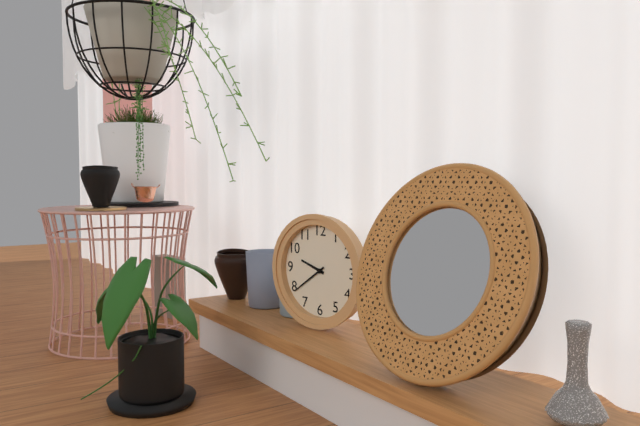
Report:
9,39
